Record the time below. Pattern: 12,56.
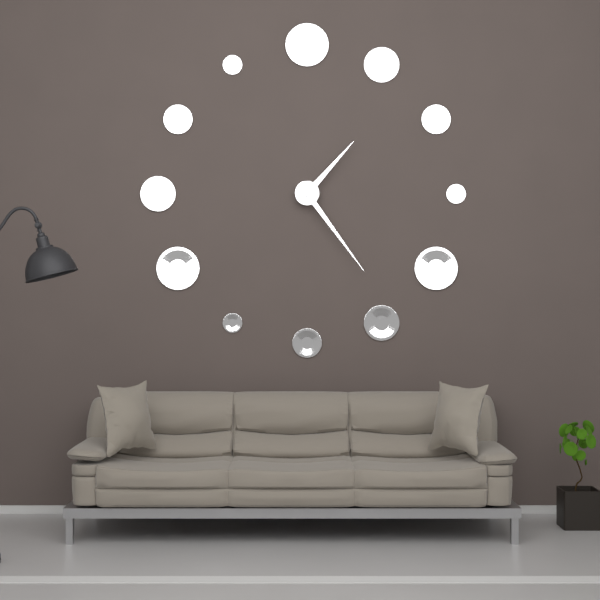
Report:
1,24
